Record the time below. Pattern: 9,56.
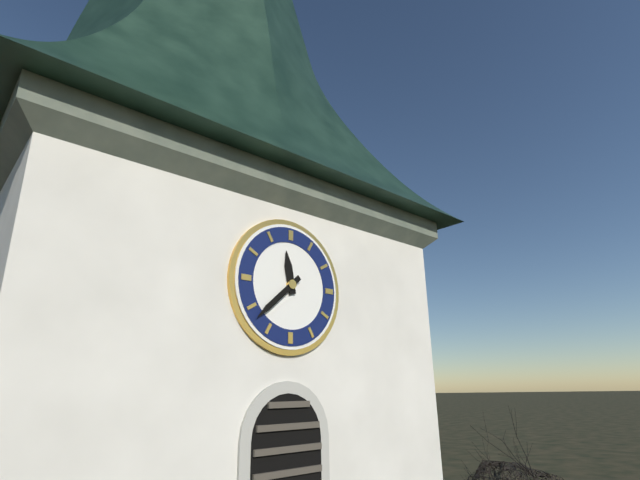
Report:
11,38
